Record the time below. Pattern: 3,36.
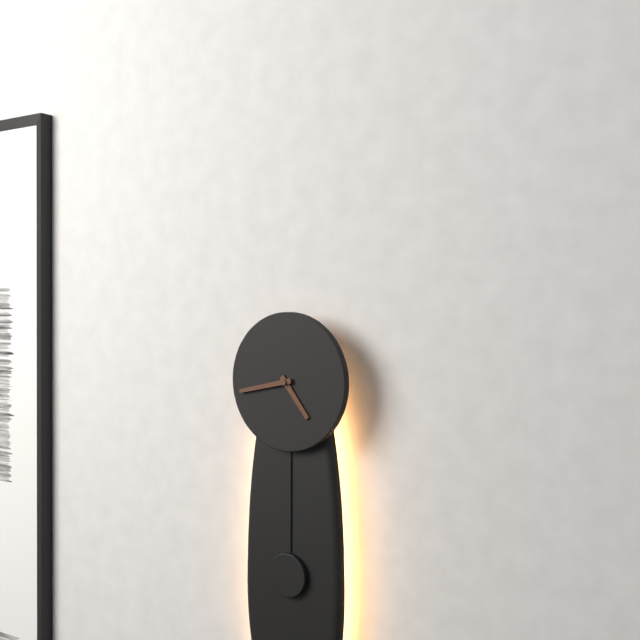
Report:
4,43
